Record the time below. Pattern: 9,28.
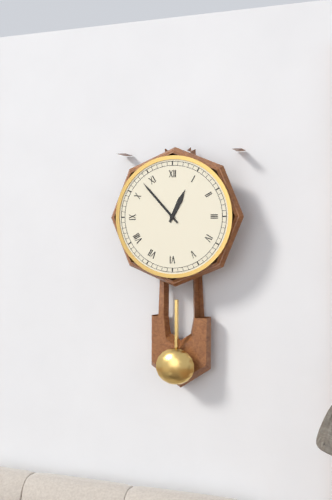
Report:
12,53
